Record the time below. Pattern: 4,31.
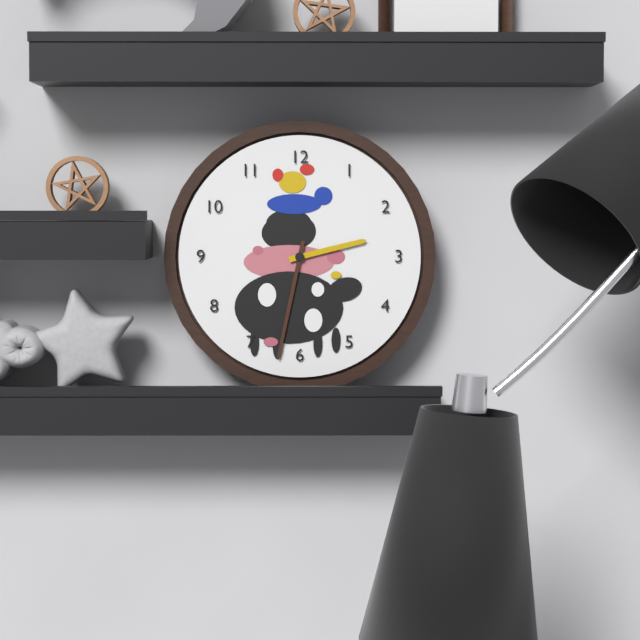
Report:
2,32
